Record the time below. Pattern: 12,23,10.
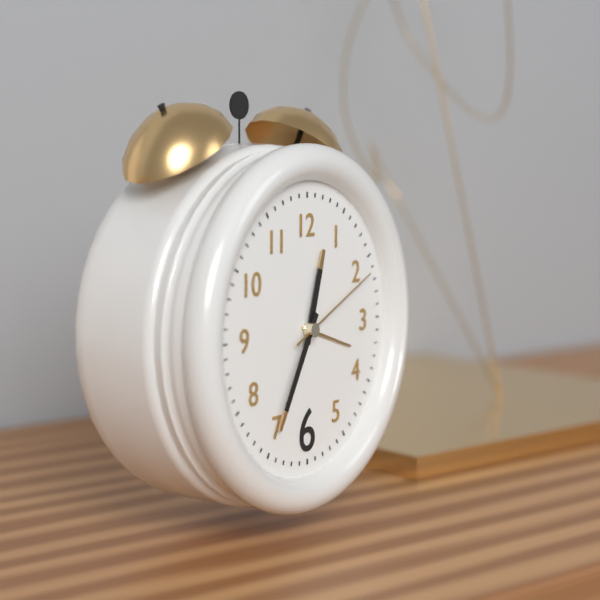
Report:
12,35,11
